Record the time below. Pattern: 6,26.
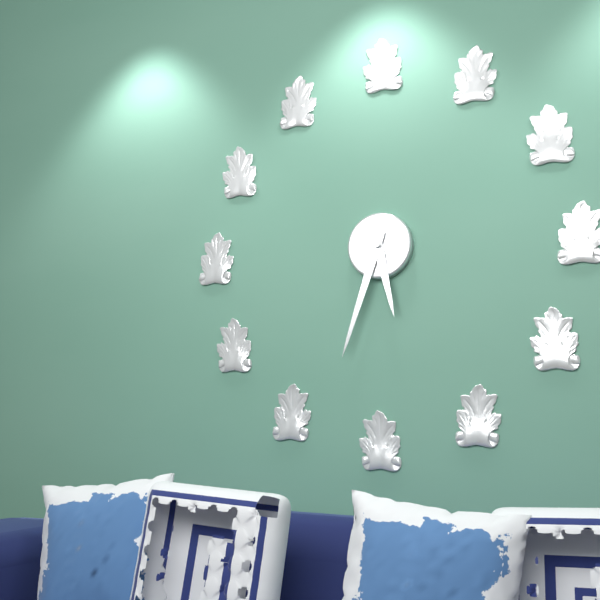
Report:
5,33
